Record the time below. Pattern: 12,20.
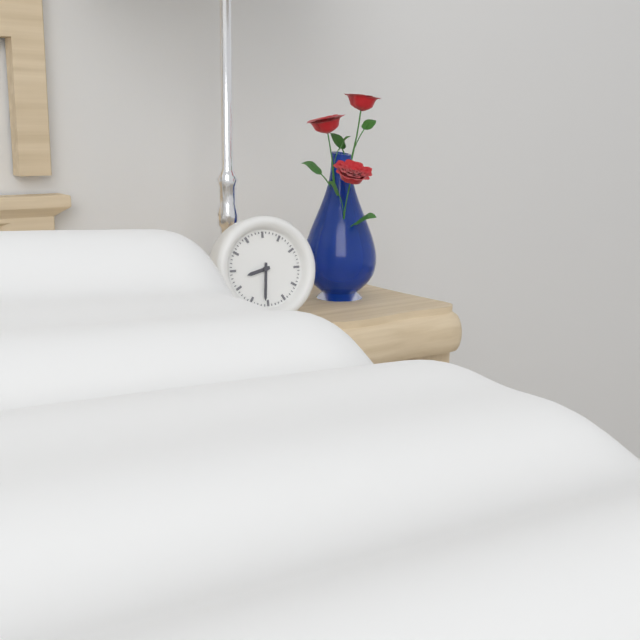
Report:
8,31
